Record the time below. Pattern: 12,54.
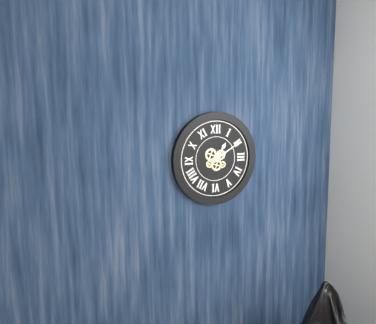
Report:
1,10
